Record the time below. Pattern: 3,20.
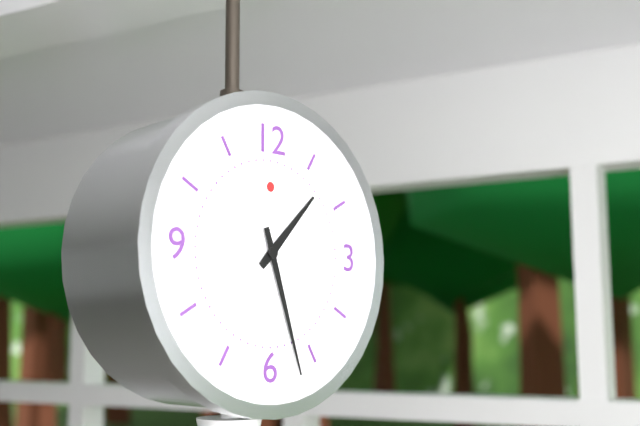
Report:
1,27
